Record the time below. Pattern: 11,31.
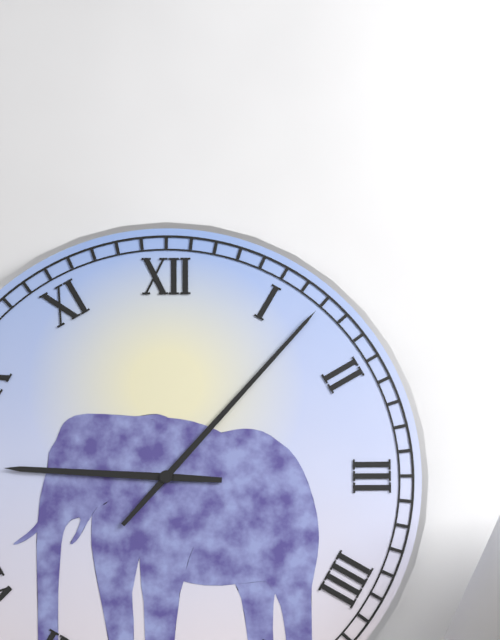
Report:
9,07
